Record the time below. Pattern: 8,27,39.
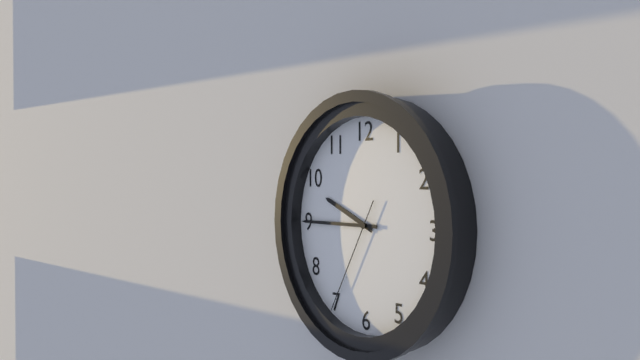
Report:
9,45,35
